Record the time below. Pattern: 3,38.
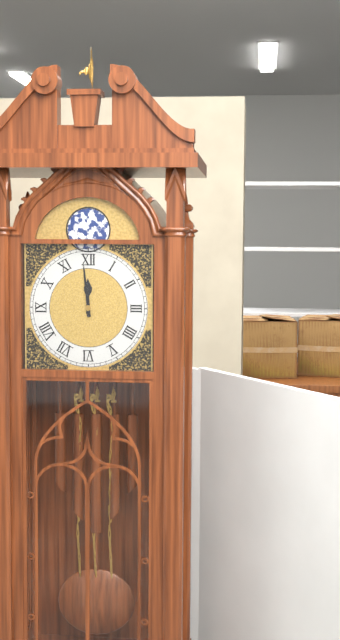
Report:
11,59
